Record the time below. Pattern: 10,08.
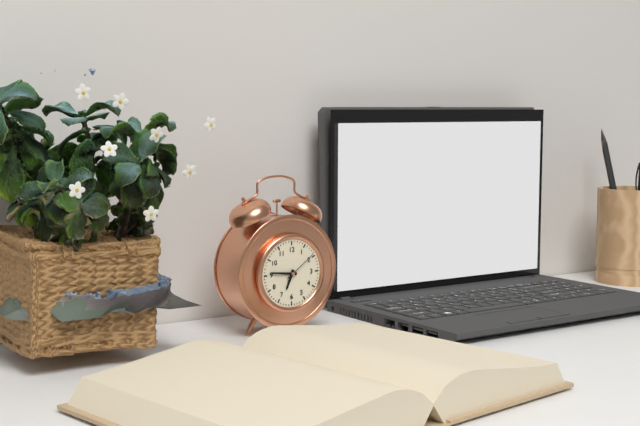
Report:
6,46
